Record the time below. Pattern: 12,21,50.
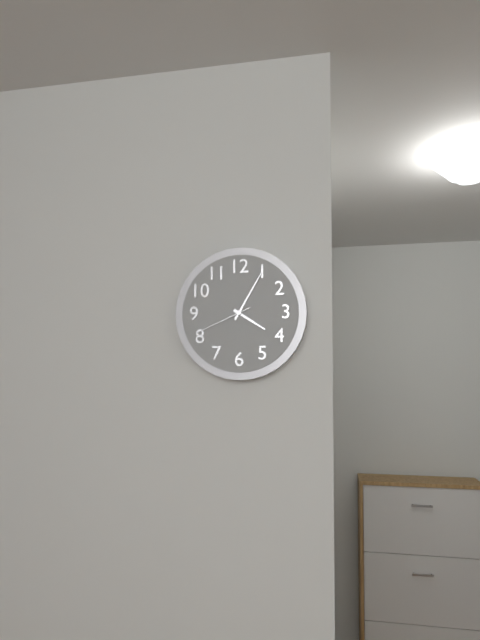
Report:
4,05,41
